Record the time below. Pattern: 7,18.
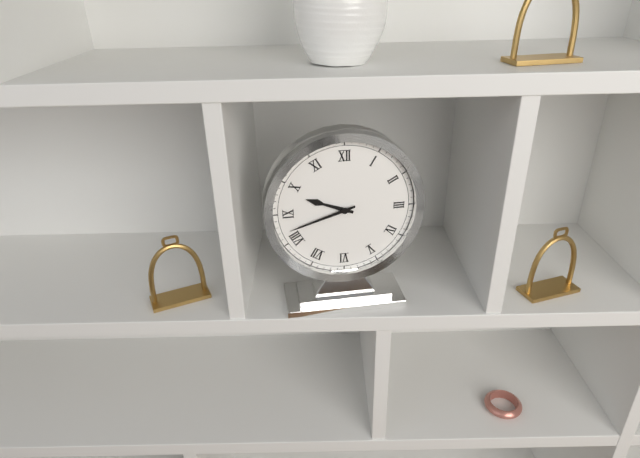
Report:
9,42
